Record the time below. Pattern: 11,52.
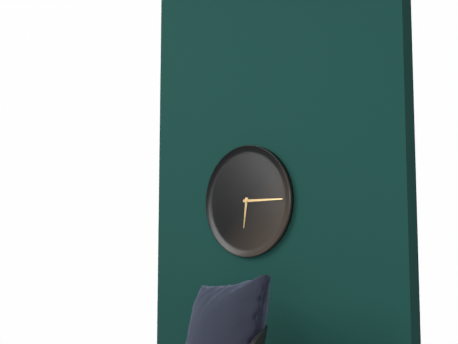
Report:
6,15
